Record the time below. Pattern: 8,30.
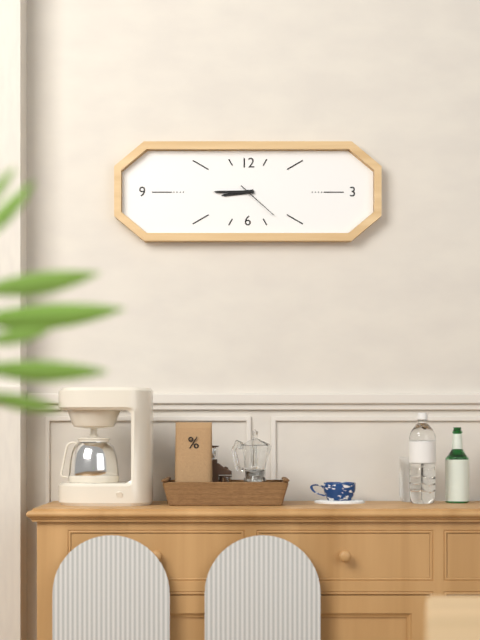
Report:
8,45
